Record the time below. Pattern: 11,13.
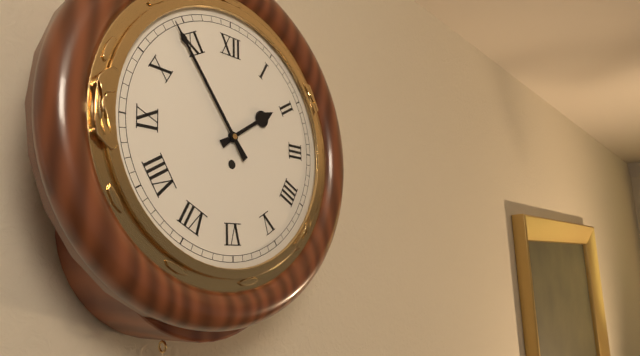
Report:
1,54
